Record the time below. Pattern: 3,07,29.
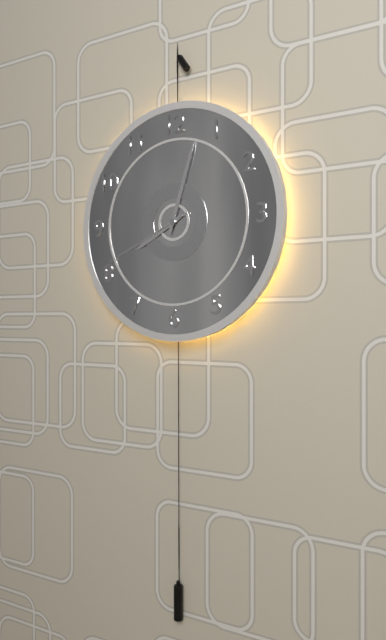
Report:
8,03,41
